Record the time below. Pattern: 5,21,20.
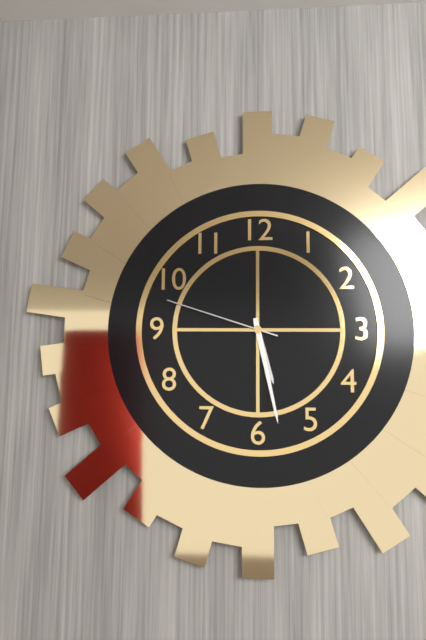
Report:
5,28,48
